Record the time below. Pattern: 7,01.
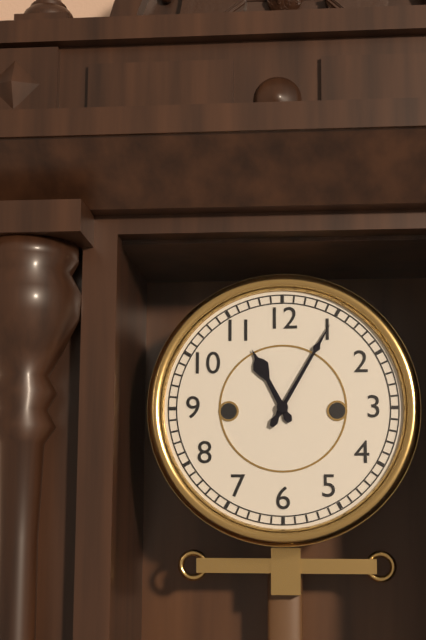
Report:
11,05
